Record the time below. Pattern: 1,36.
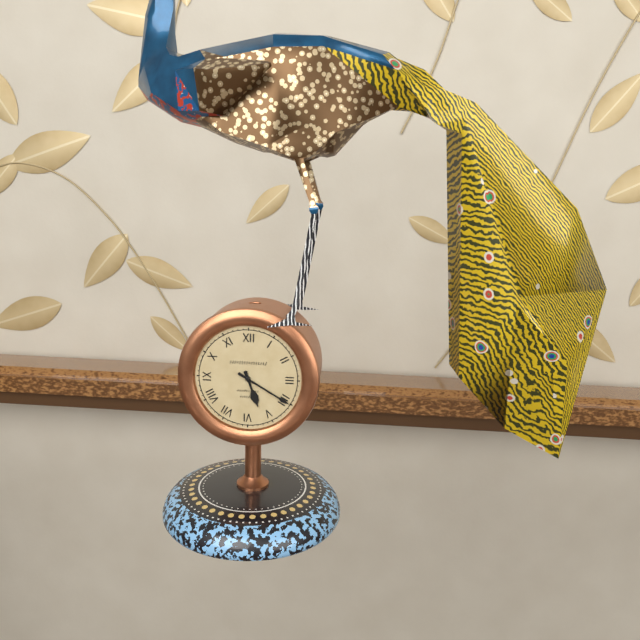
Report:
5,20
